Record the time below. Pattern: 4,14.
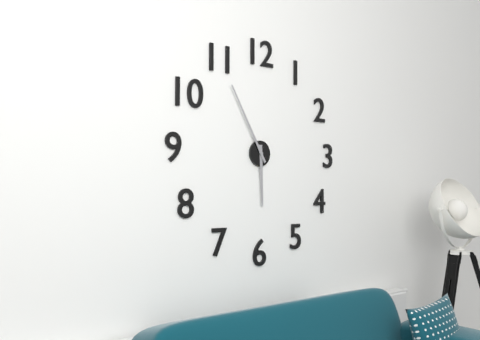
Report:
5,55
